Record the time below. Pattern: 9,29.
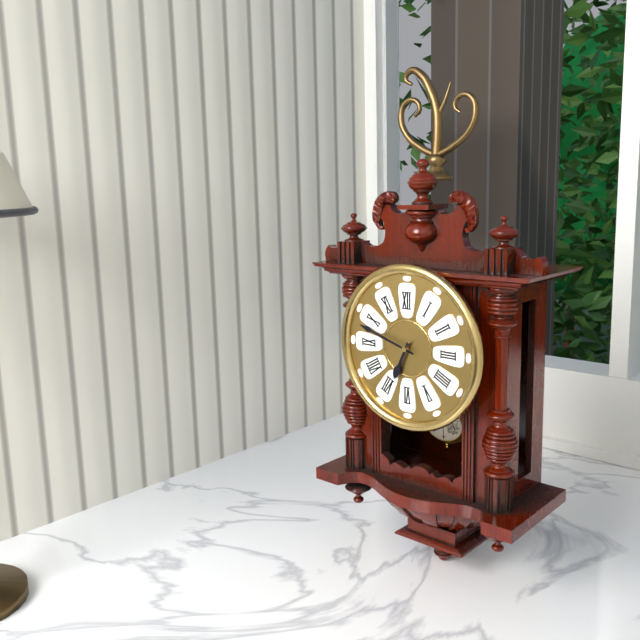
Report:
6,48
